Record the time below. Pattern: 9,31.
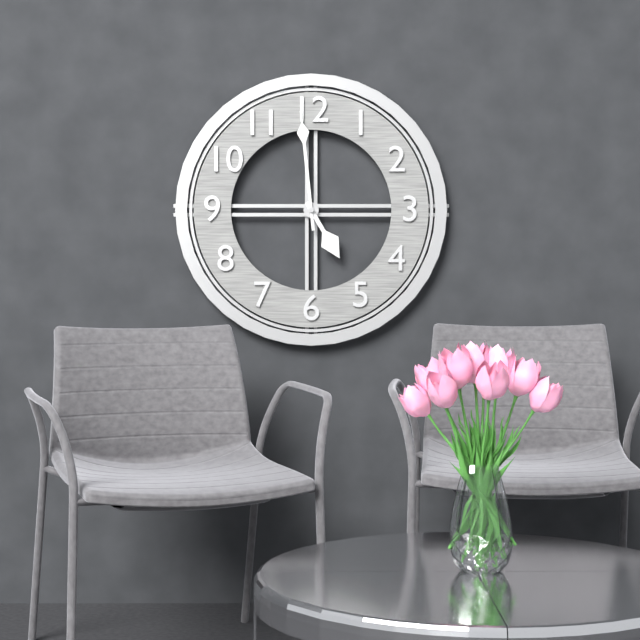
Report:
4,59
